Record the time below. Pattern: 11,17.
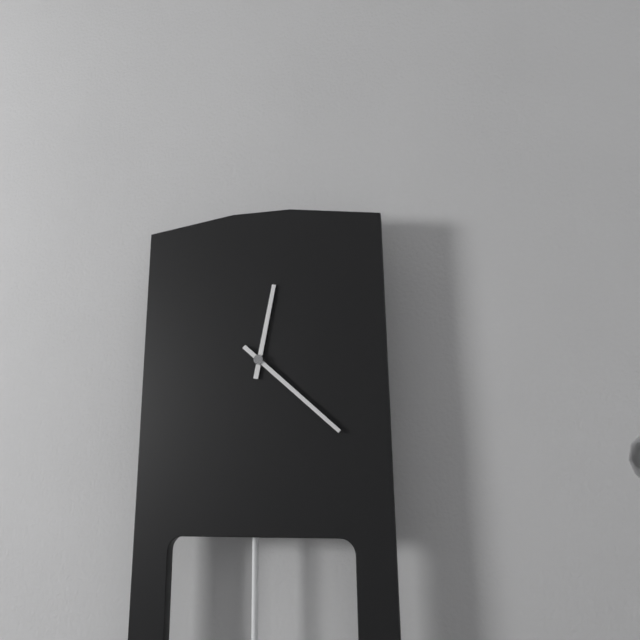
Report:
12,22
